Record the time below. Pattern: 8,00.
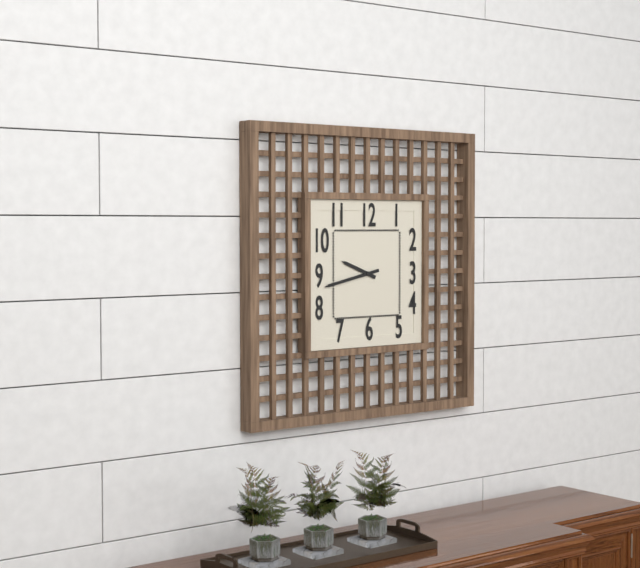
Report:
9,43
